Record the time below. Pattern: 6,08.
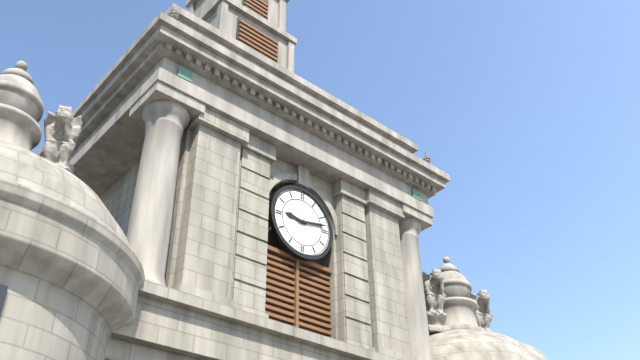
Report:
9,13
